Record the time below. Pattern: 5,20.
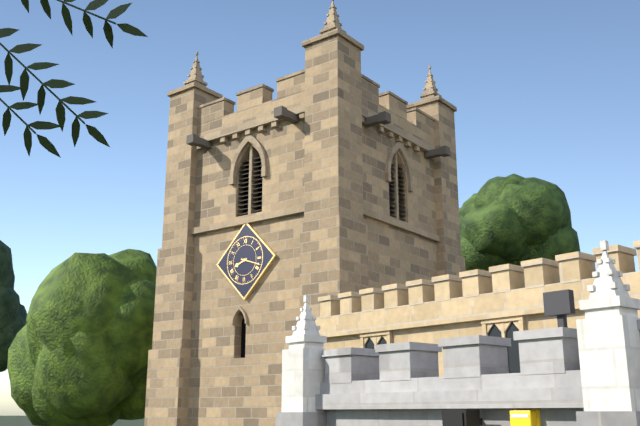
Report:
8,18
